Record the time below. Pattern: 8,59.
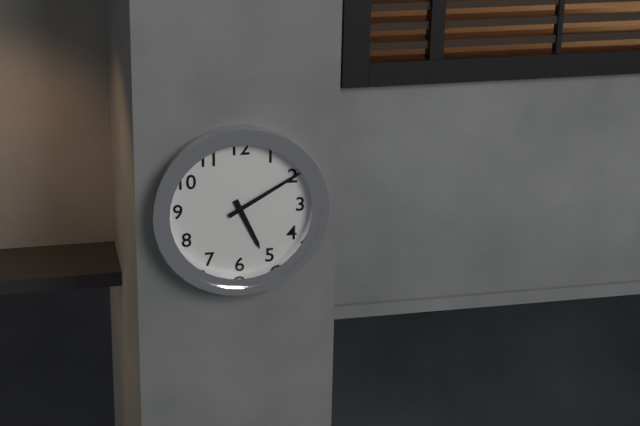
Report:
5,10
